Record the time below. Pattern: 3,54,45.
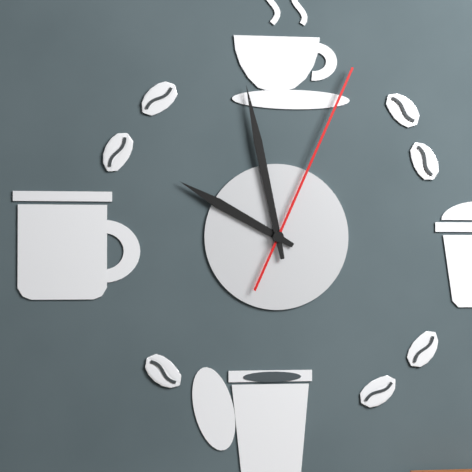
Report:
9,58,04
